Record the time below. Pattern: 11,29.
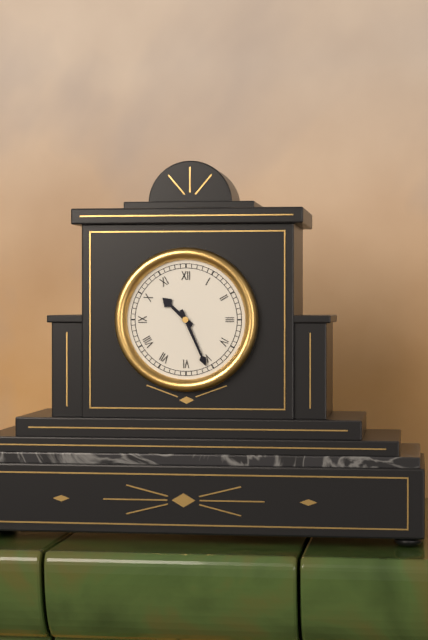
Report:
10,26
